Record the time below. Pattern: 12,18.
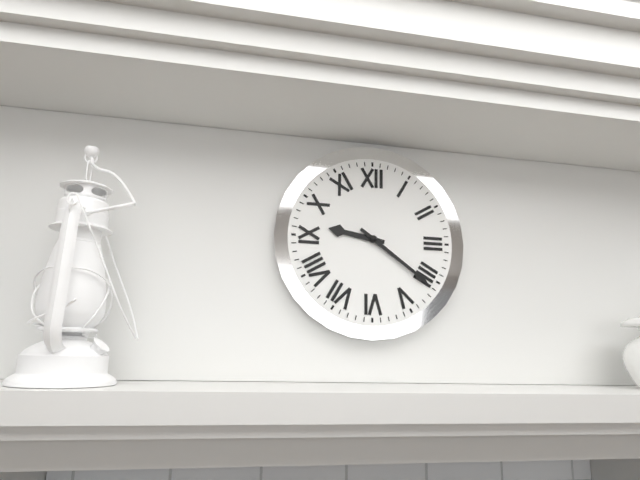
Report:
9,21
